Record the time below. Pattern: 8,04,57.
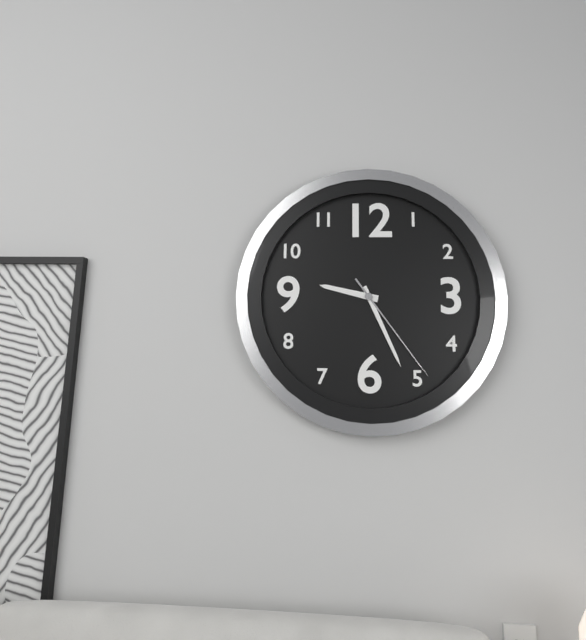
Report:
9,26,24
